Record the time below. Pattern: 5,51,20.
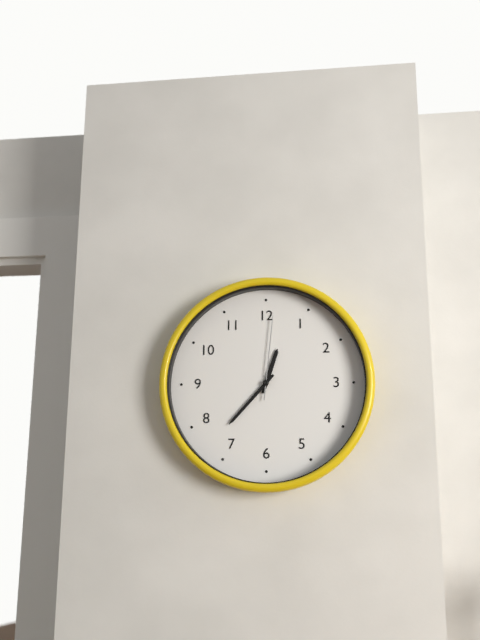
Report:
12,37,01
